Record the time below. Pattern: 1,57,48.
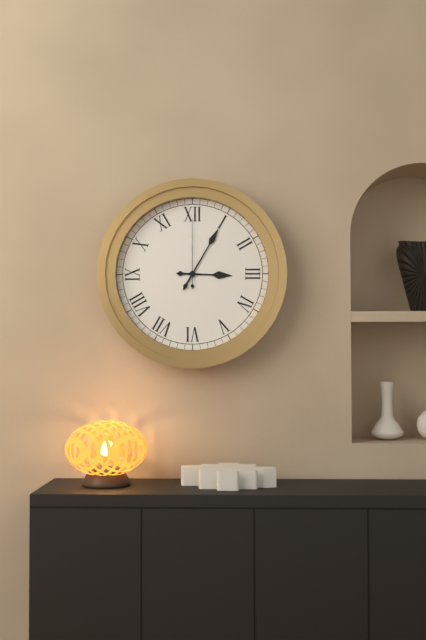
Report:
3,05,00
